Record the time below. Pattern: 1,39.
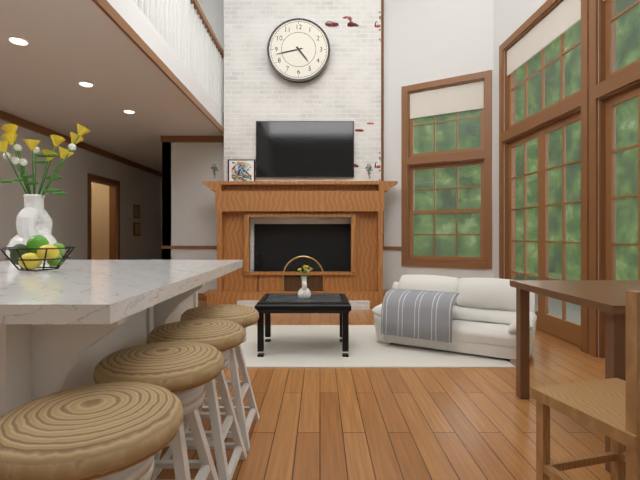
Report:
4,43
